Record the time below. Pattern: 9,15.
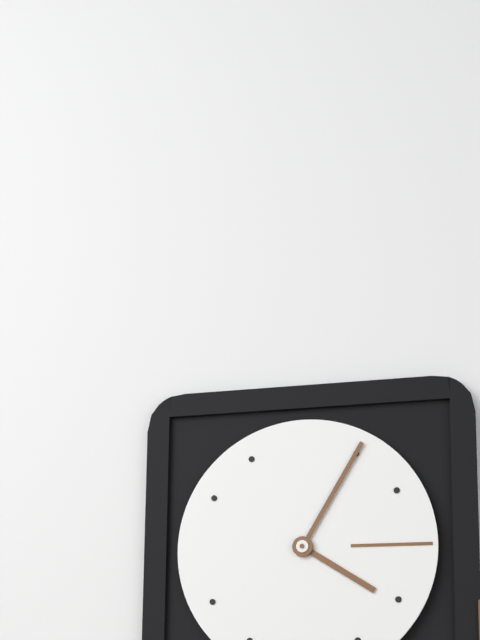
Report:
4,05
